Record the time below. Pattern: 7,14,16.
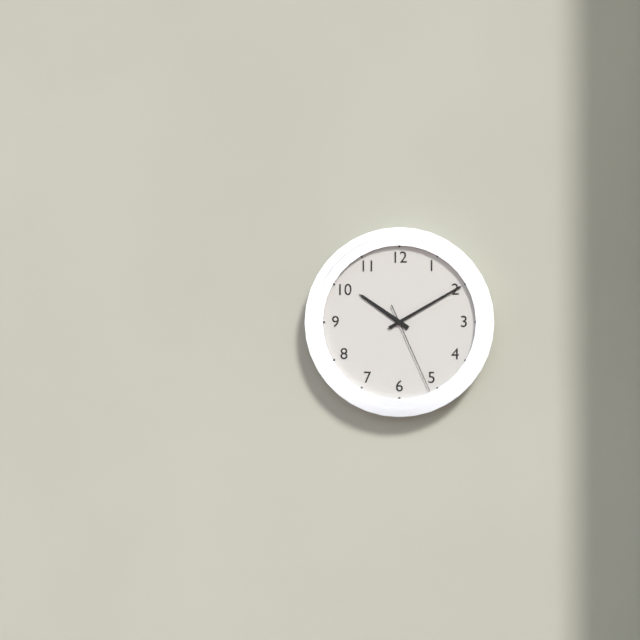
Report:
10,10,26
